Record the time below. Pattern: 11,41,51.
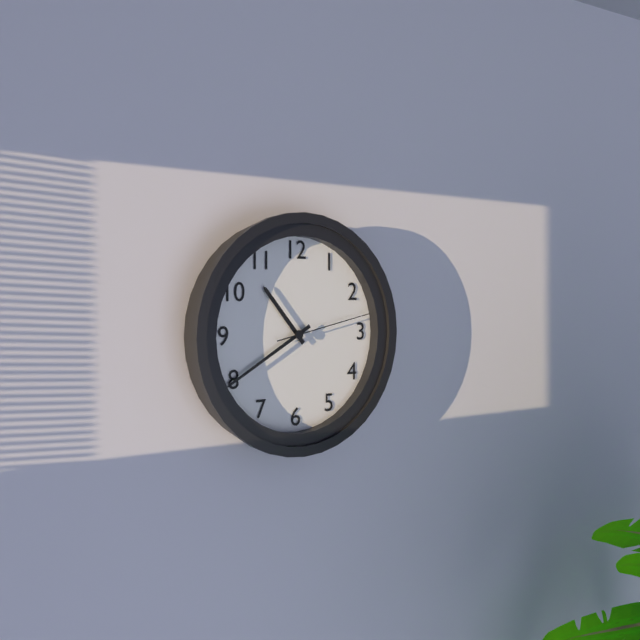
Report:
10,40,13
